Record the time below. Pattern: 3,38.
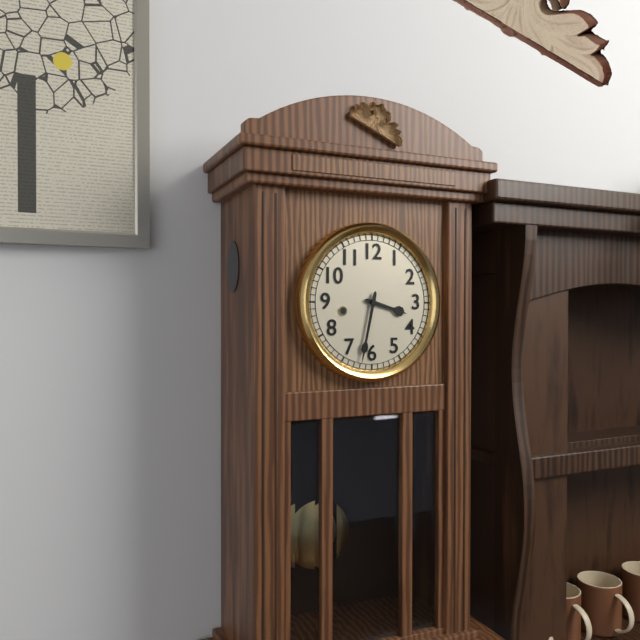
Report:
3,32
